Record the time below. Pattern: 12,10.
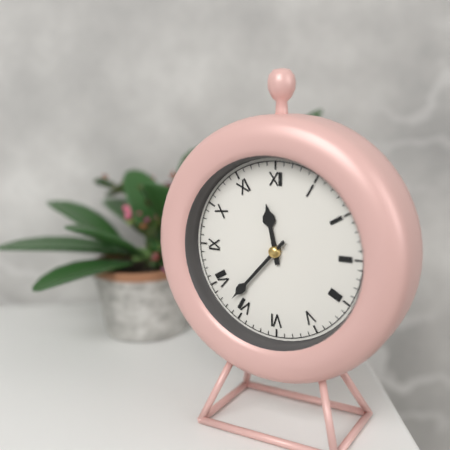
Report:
11,37
